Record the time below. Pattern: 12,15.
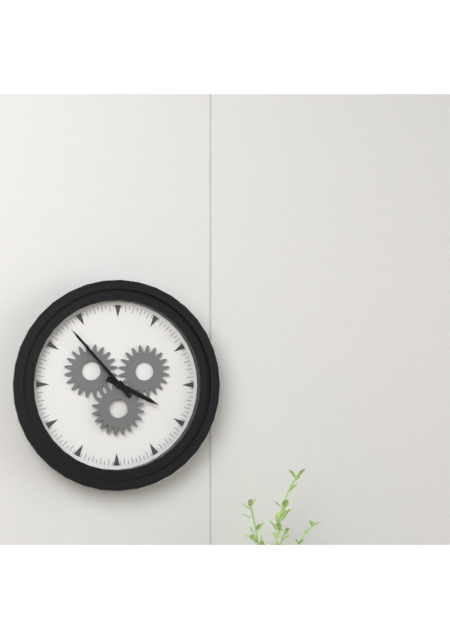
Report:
3,53
